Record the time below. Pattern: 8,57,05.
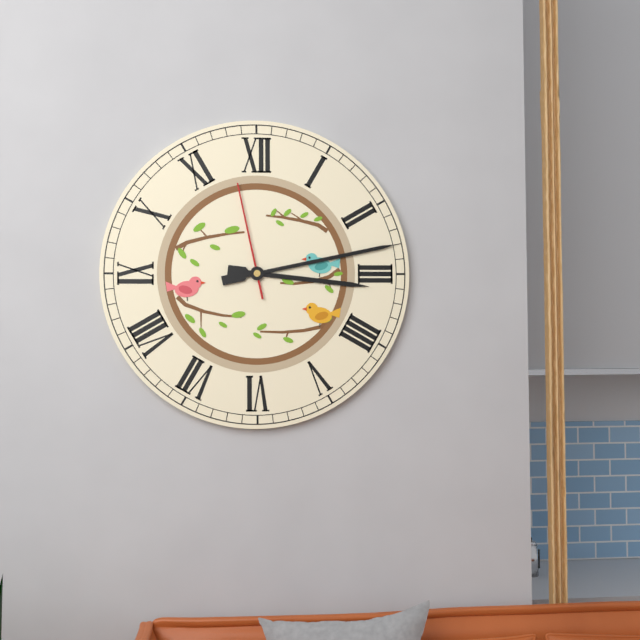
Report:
3,13,58
